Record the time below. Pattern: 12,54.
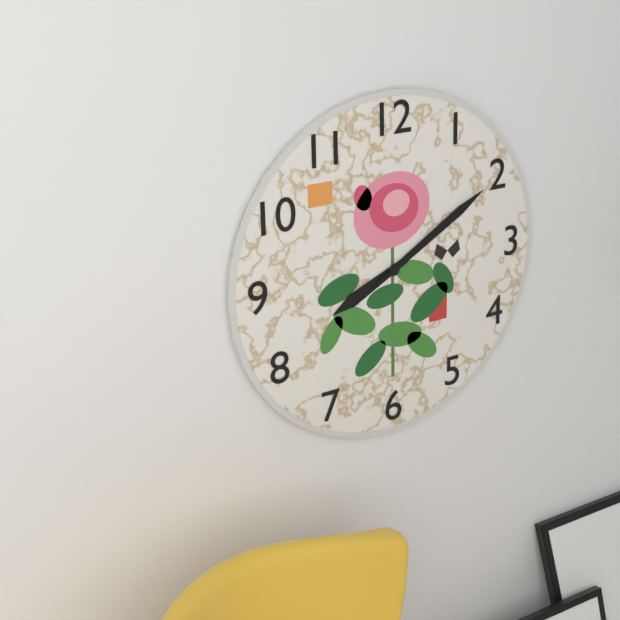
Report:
8,10
